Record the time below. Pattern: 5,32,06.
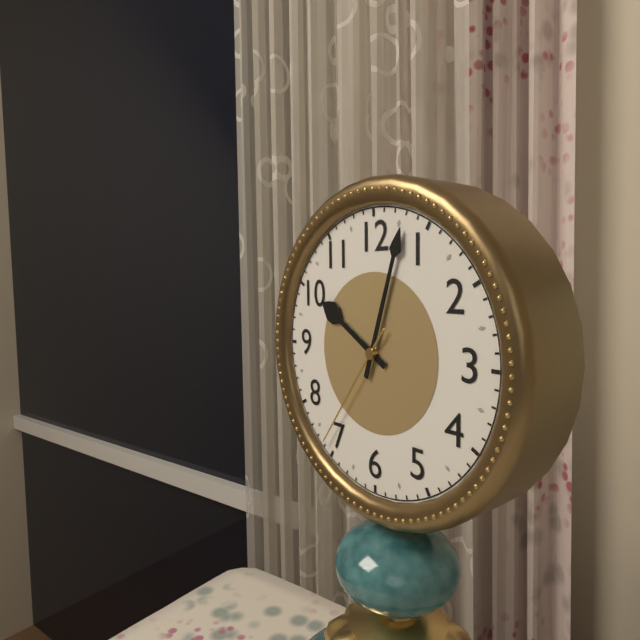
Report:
10,03,36
